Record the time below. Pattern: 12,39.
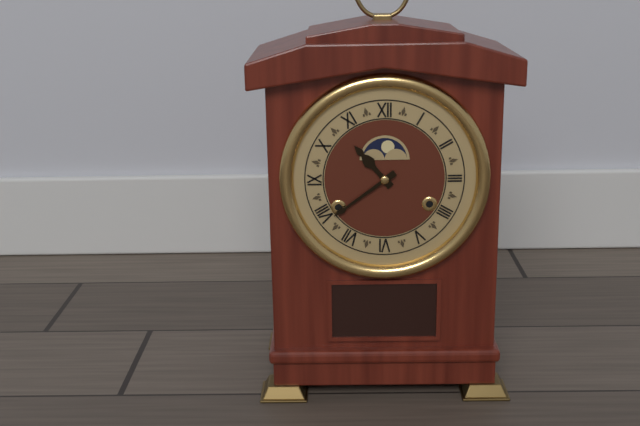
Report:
10,39
